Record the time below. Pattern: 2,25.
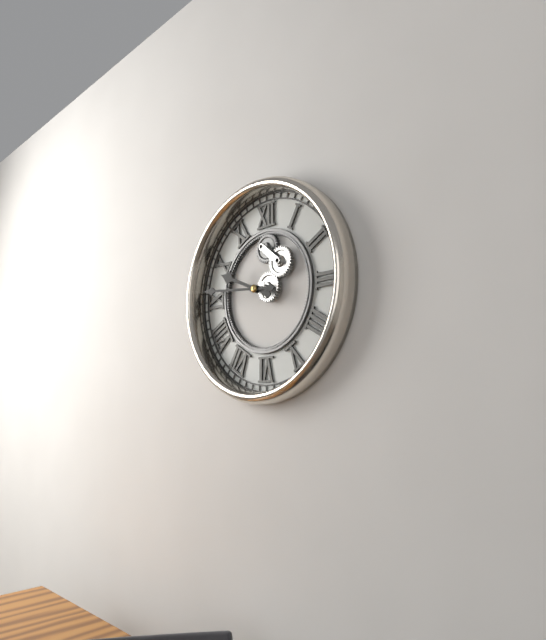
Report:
9,46
